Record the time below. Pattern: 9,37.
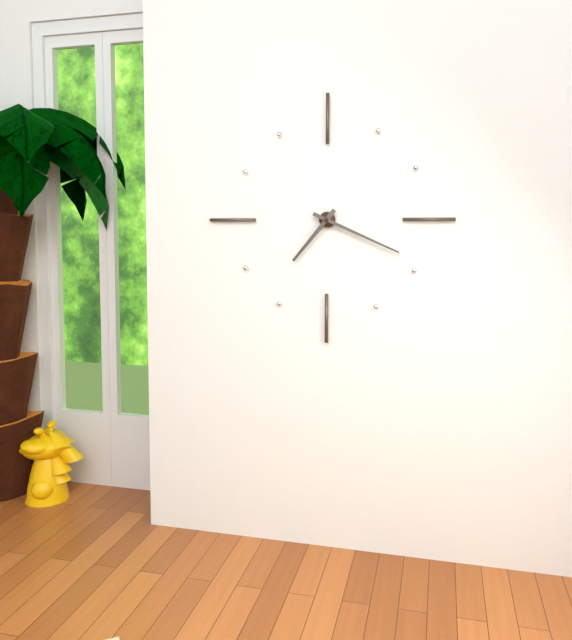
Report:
7,19
